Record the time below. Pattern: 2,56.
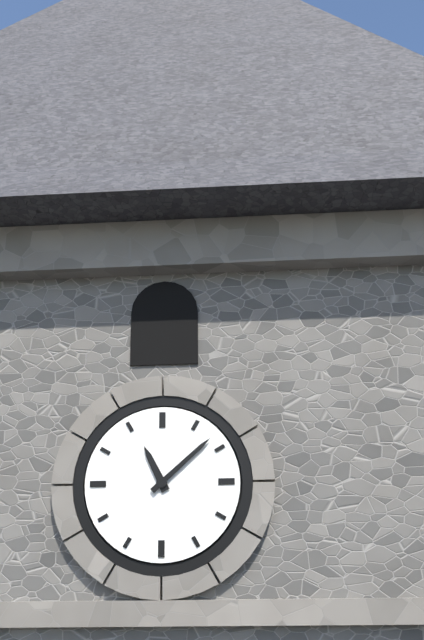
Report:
11,08
